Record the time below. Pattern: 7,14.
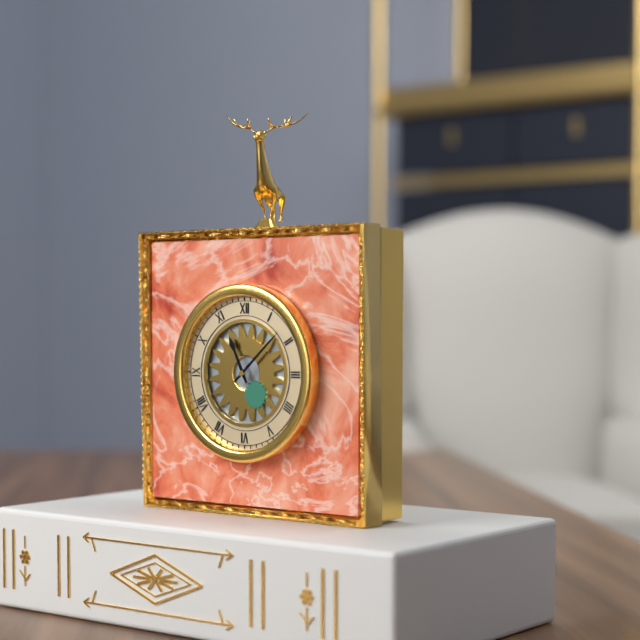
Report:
11,08
